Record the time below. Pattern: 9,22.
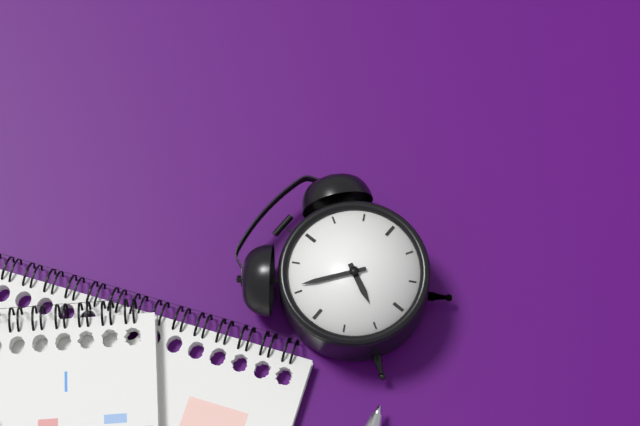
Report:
6,51
